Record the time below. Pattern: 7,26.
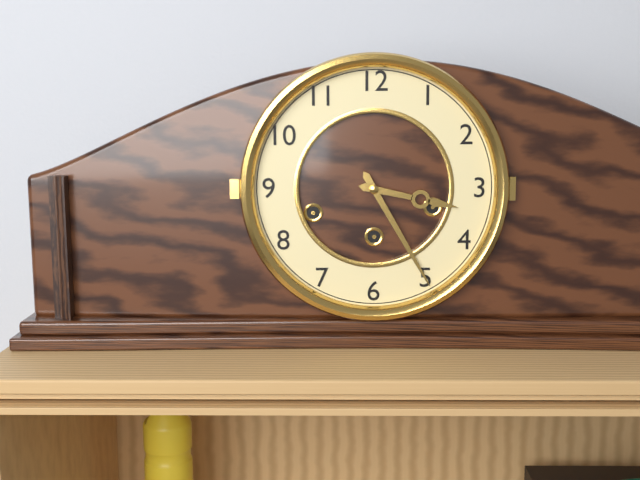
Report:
3,25
